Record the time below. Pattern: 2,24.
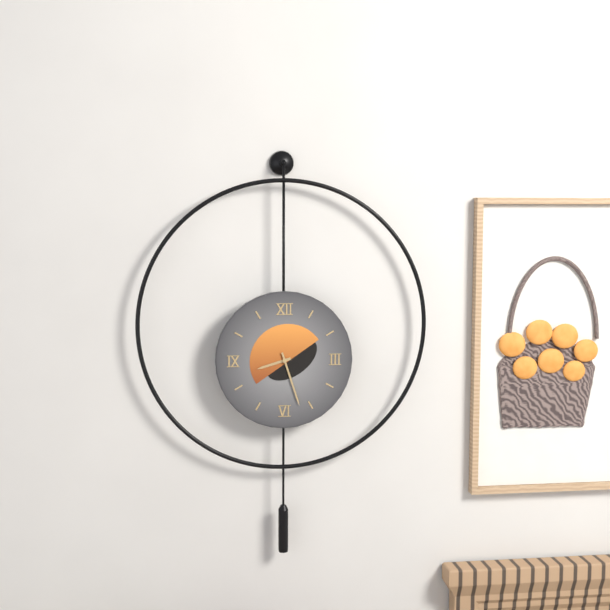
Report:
8,27
